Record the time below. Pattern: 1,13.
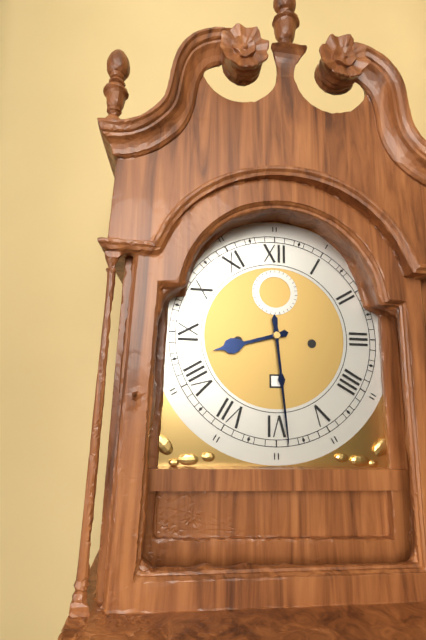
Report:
8,29
